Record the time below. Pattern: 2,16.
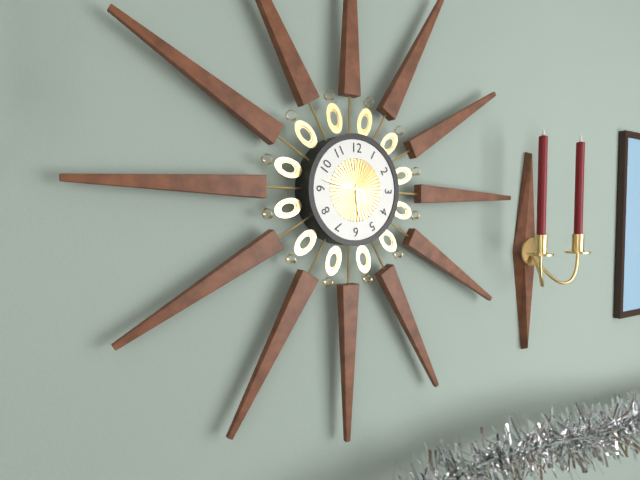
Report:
5,47
